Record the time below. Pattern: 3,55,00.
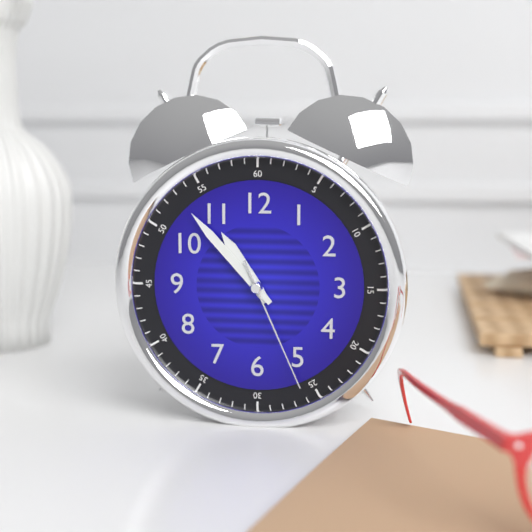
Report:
10,53,26
